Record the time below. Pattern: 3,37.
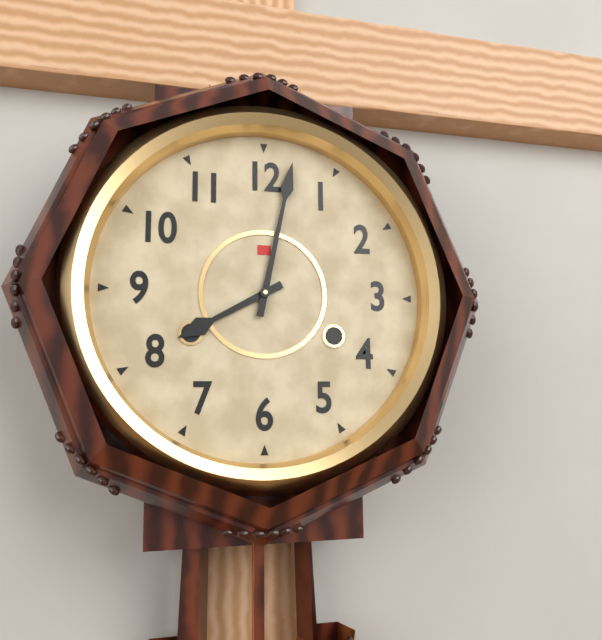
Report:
8,02
